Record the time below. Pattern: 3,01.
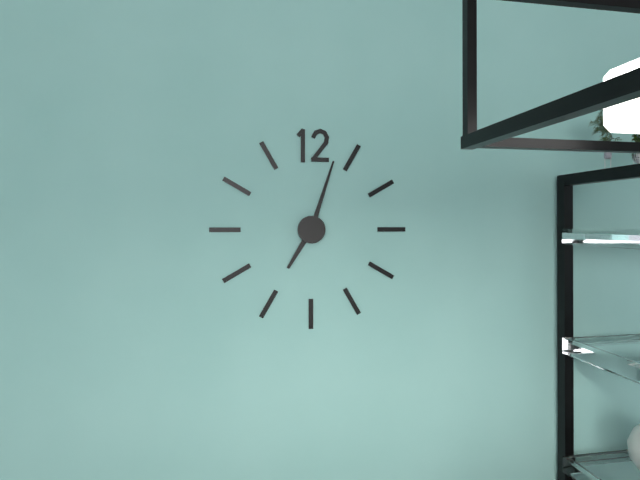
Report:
7,03
